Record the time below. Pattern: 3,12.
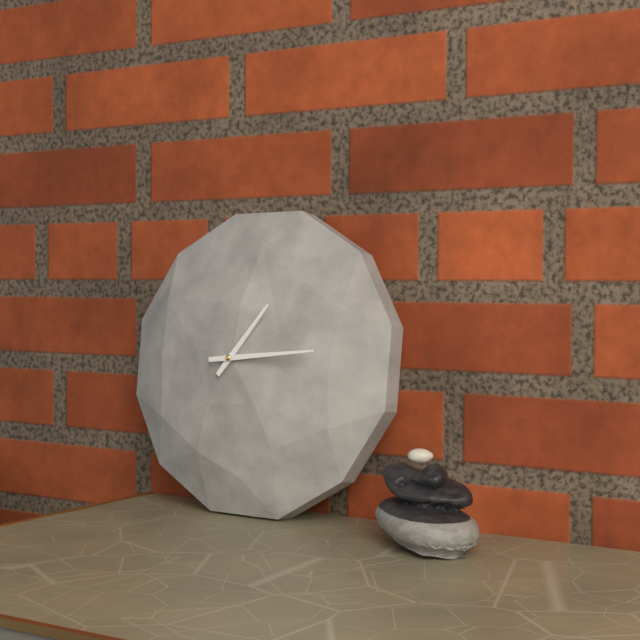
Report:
1,14
